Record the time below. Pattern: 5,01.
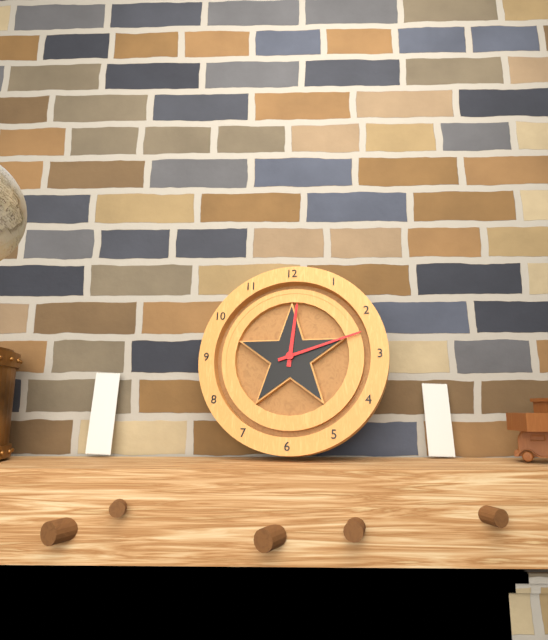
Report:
12,12
